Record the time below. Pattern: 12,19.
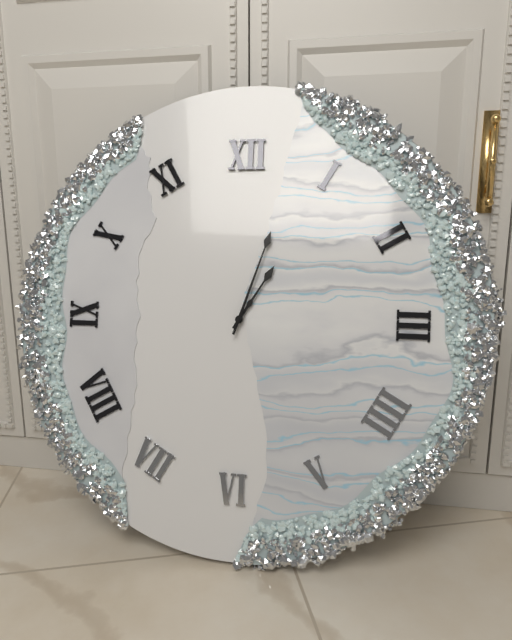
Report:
1,03
